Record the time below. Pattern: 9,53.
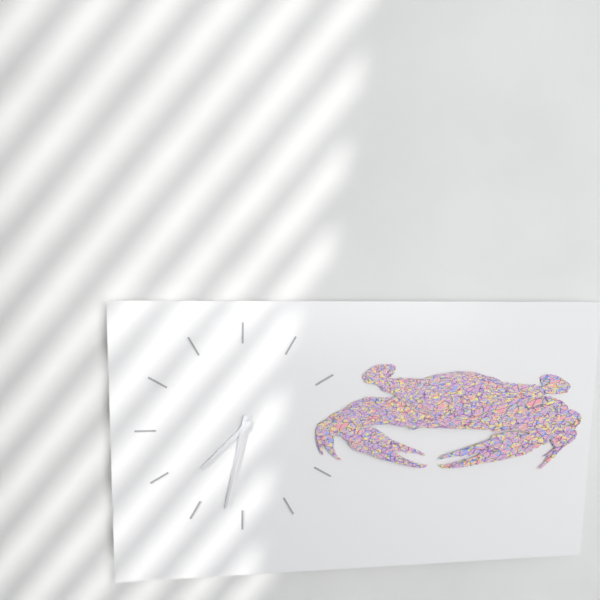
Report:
7,32
